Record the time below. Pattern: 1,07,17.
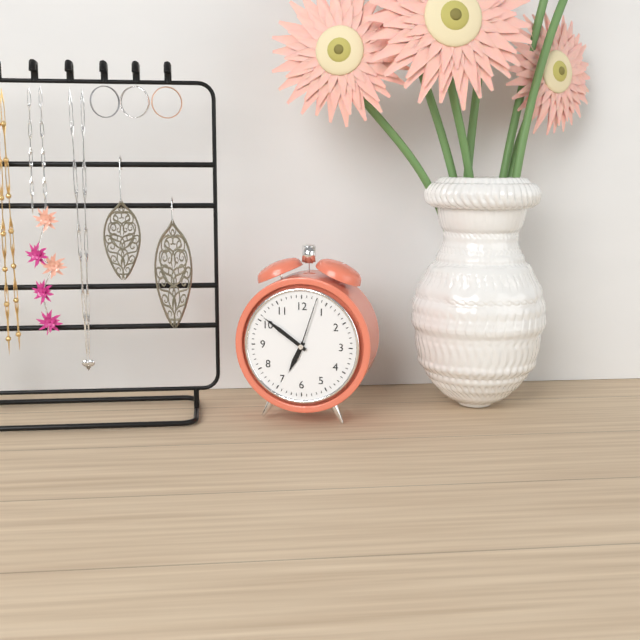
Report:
6,51,03
